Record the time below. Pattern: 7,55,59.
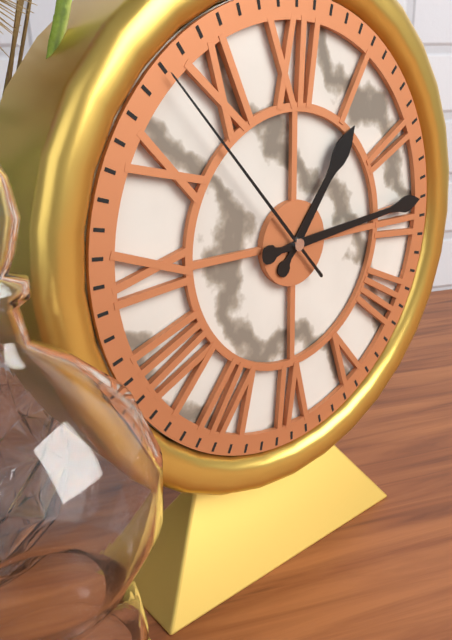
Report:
1,14,53
